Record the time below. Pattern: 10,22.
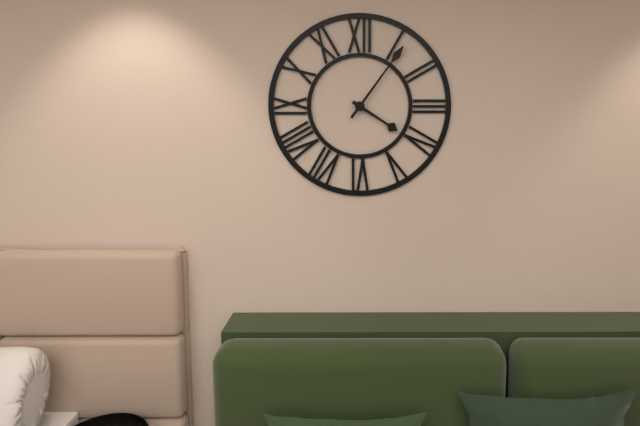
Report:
4,06
